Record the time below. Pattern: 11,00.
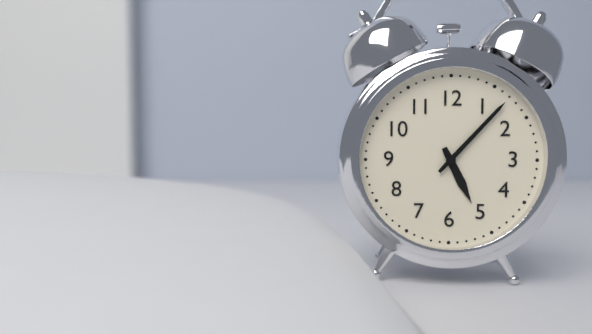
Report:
5,07
